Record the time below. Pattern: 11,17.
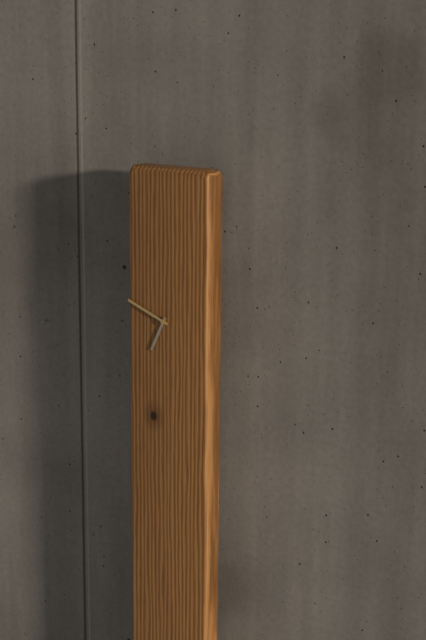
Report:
6,49
